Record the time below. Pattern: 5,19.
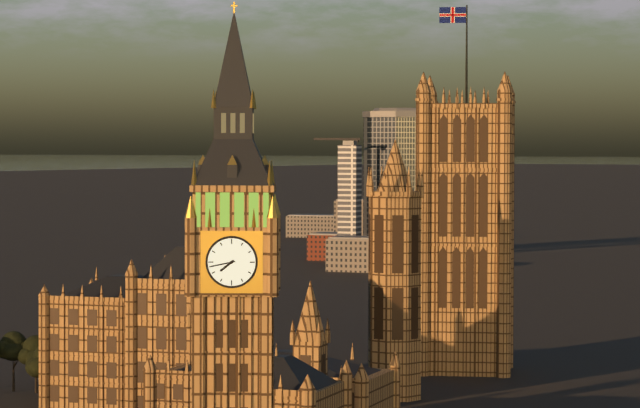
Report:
7,43
